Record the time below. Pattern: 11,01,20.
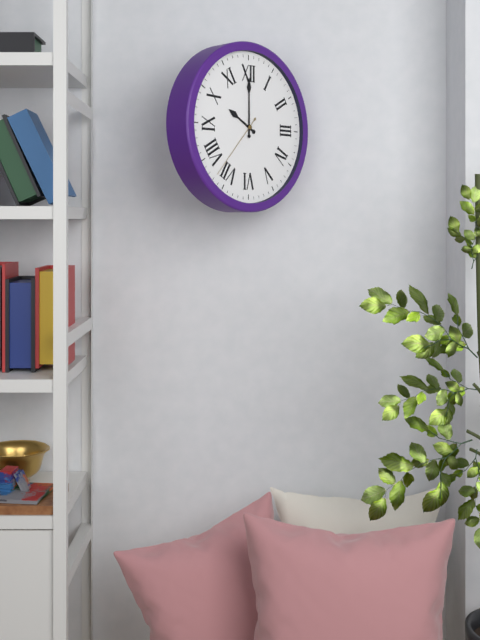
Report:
10,00,37
